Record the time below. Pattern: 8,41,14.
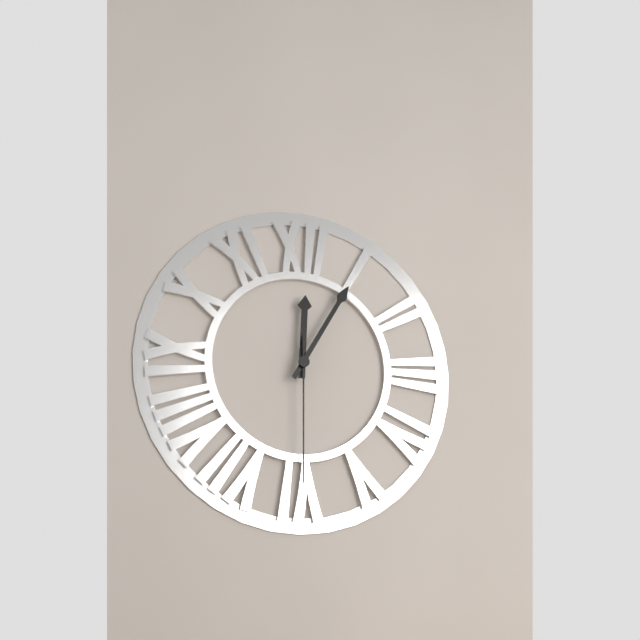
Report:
12,05,30
